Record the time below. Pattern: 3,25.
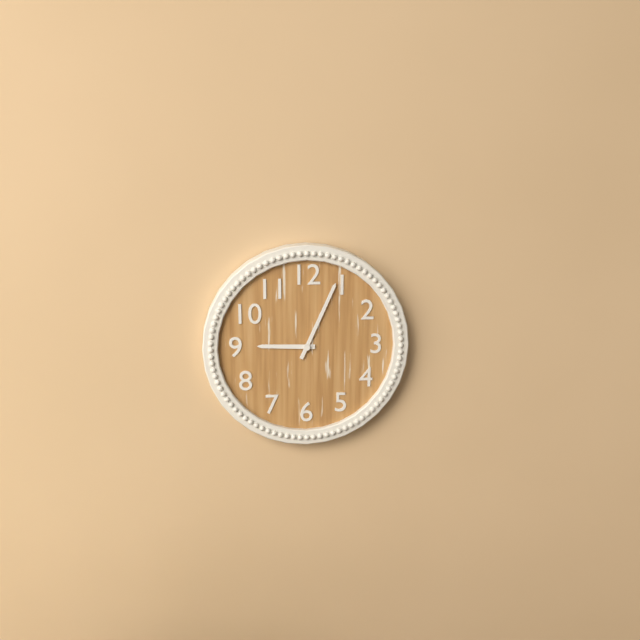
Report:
9,04
